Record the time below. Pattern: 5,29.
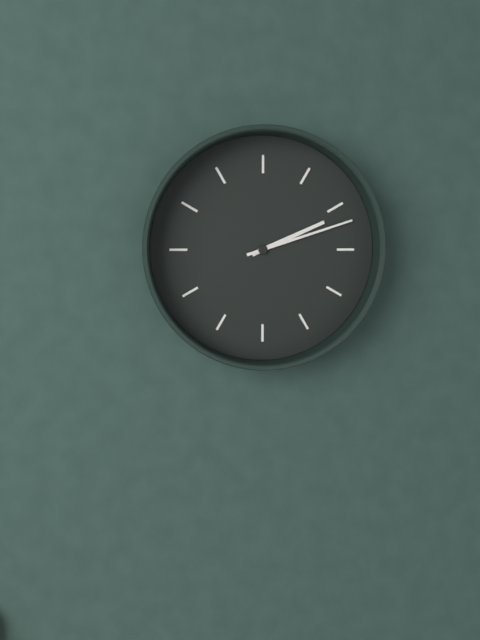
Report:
2,12
